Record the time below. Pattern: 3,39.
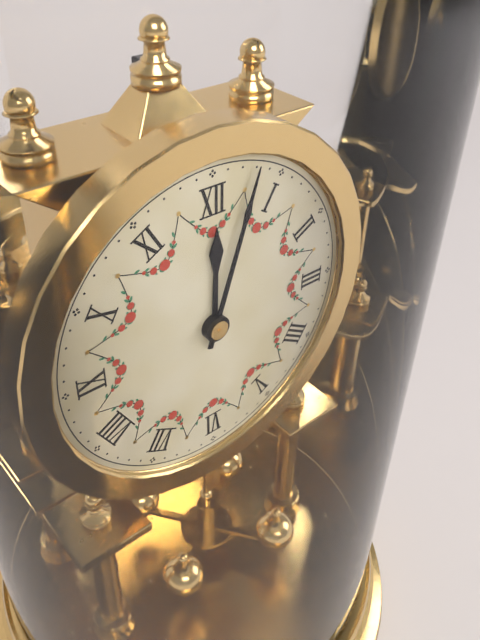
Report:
12,03
